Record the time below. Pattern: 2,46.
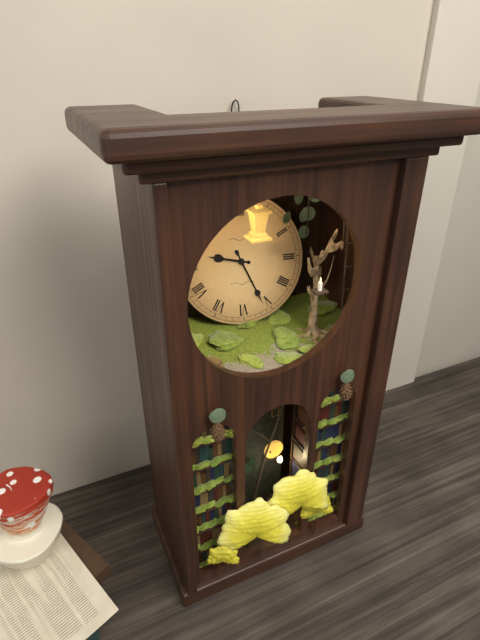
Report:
9,26
